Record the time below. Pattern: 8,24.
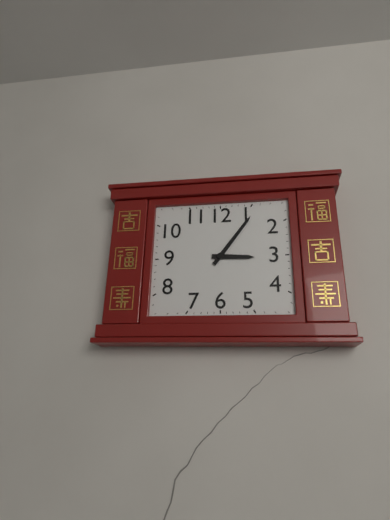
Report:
3,06
